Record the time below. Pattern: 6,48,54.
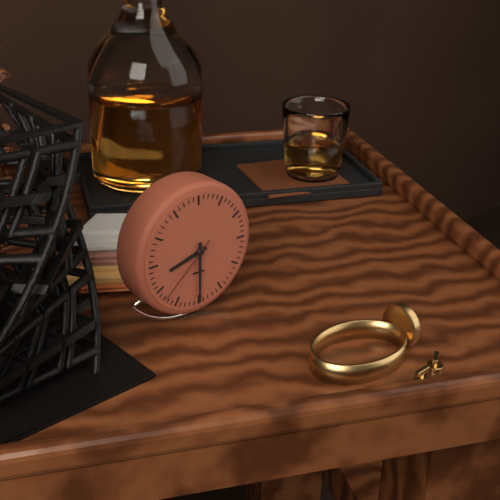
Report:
8,30,38
